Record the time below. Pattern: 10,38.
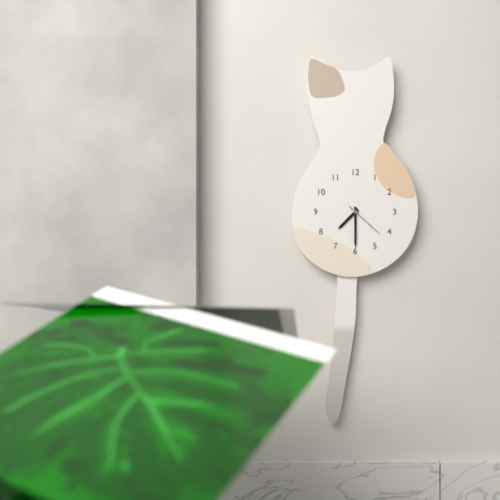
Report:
7,30
